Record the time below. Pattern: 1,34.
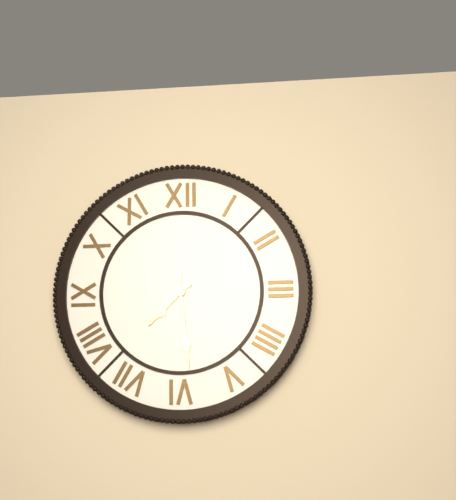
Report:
7,29
